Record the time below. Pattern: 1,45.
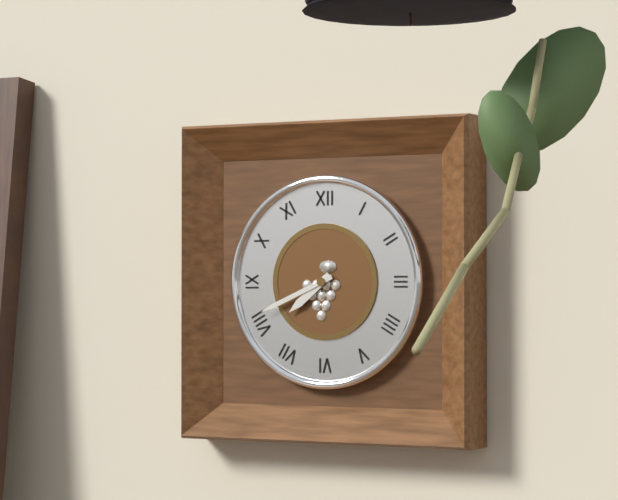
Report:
7,41
